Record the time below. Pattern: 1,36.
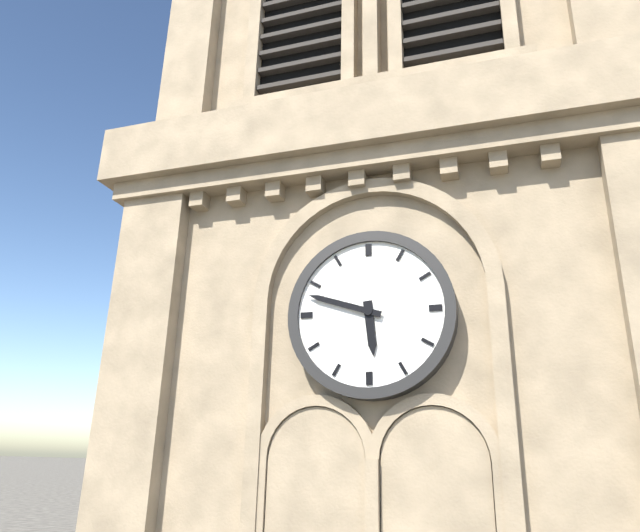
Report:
5,48
